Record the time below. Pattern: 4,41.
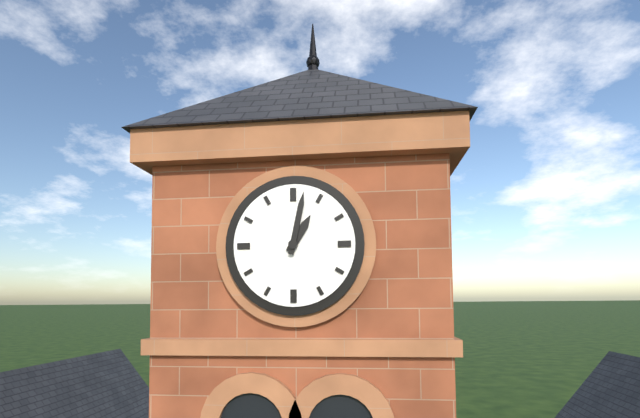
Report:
1,02
